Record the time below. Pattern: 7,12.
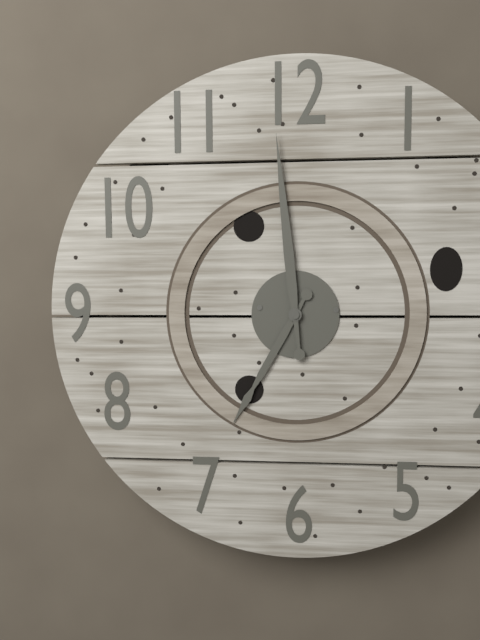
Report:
6,59
